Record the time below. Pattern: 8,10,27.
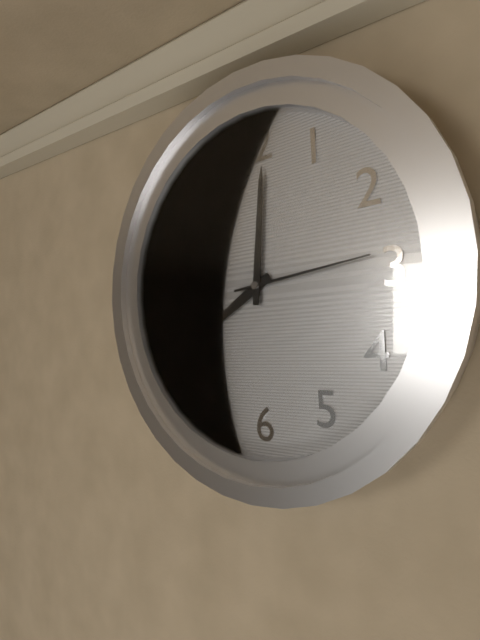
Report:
8,01,14
